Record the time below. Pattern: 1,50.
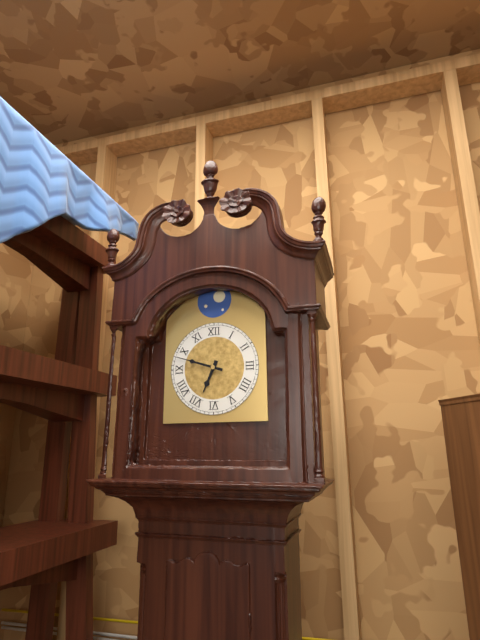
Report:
6,48
